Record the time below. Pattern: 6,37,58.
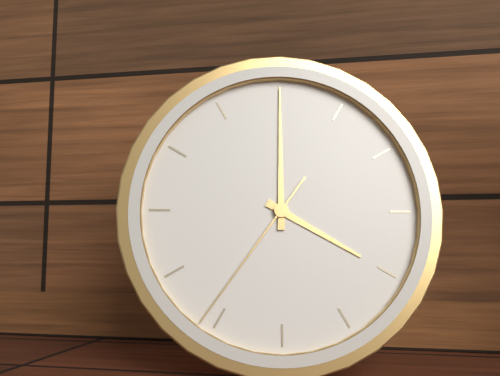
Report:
4,00,36
